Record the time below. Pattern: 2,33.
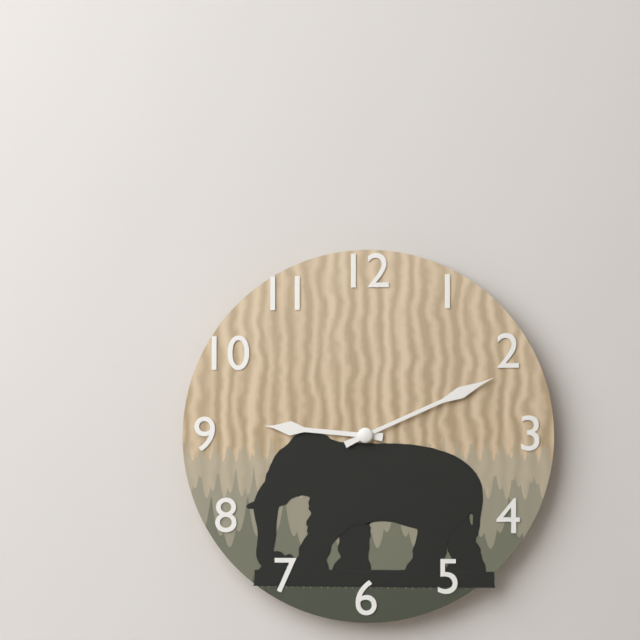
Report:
9,11
